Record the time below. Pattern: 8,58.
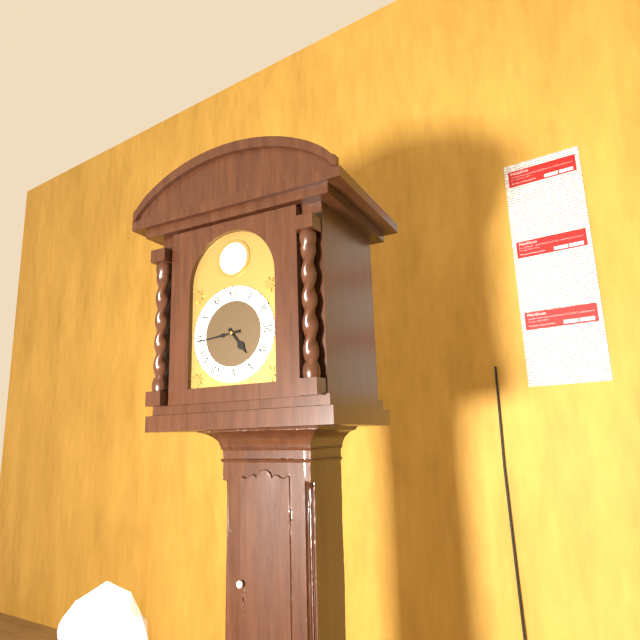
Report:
4,44
